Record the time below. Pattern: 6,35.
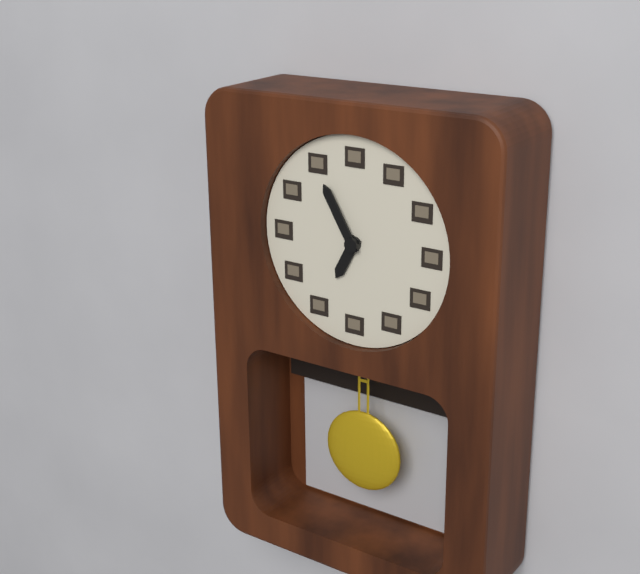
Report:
6,55
